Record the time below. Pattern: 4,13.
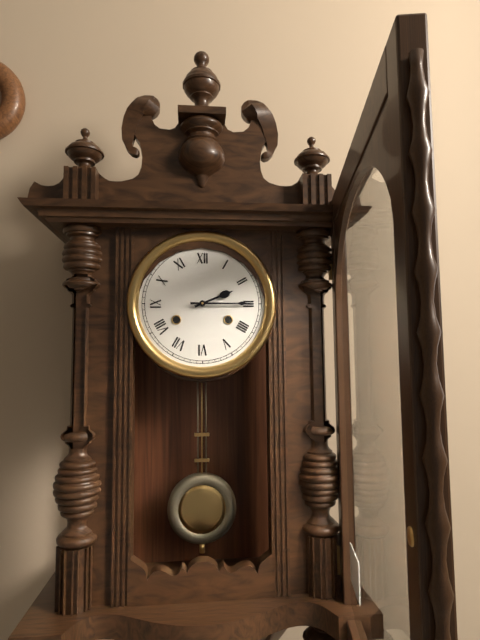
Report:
2,15
